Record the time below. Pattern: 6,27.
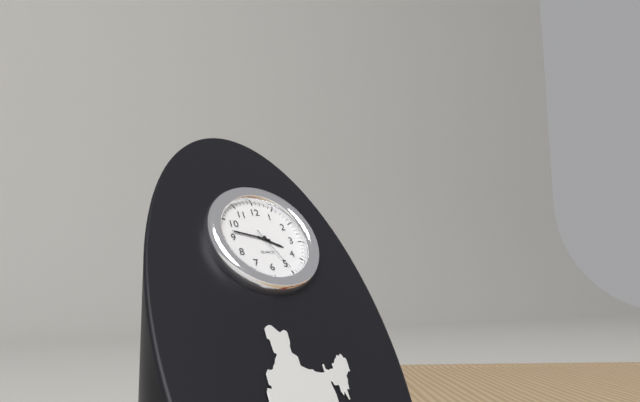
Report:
3,47
